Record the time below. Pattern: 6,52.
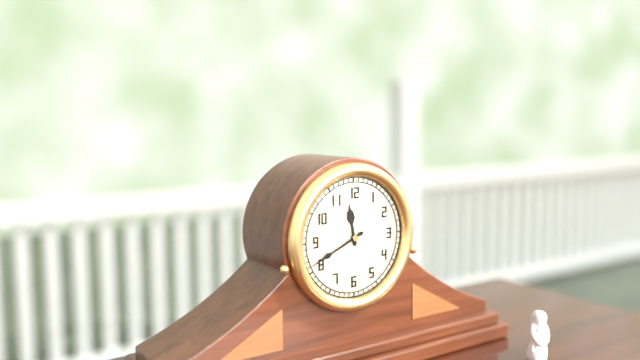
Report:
11,41
